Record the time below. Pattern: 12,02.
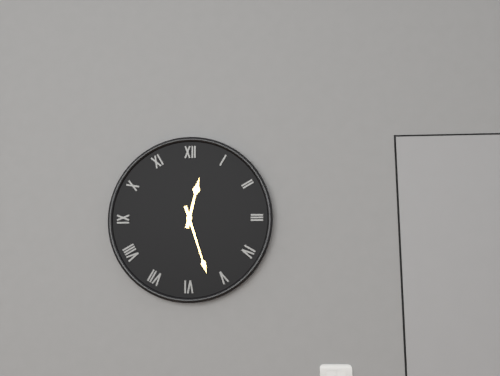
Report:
12,27
